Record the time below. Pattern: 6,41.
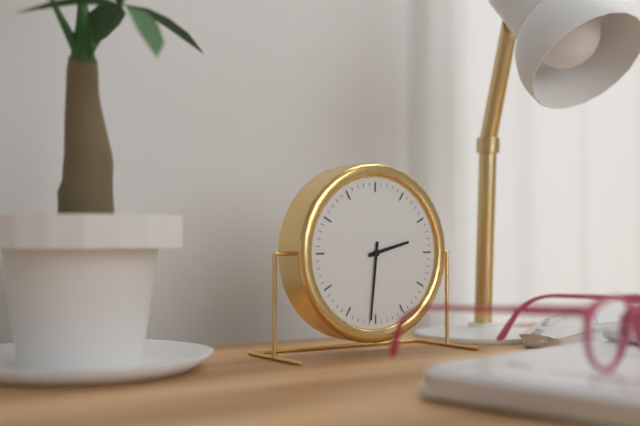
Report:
2,31
